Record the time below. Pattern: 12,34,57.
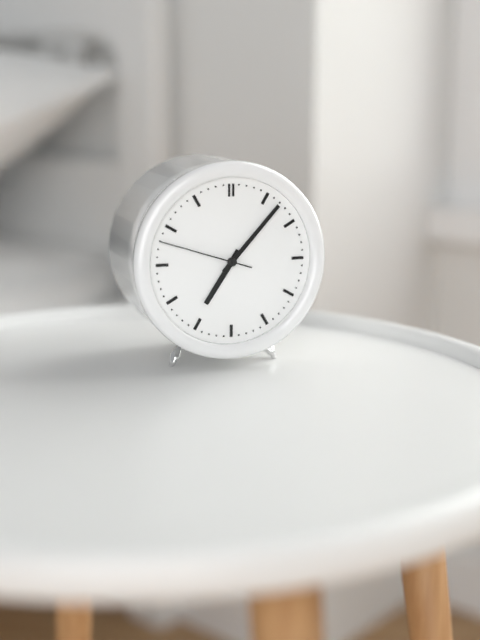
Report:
7,07,48
